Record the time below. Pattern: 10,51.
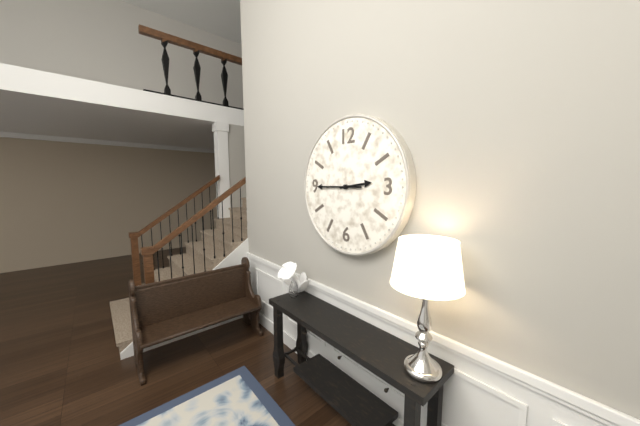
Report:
2,45
